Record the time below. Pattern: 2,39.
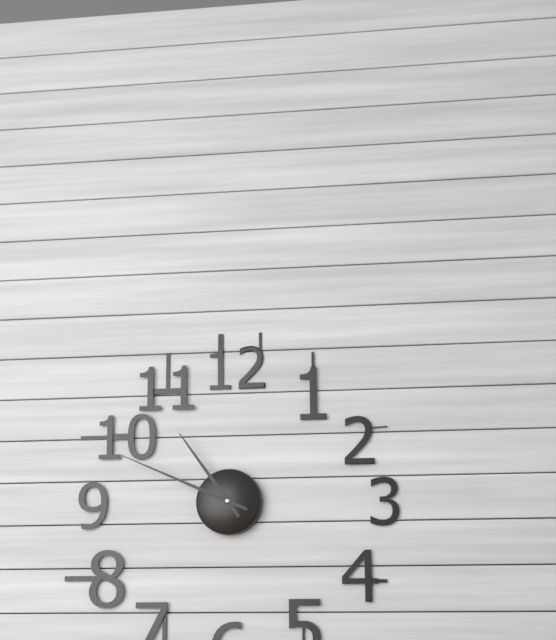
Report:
10,49
